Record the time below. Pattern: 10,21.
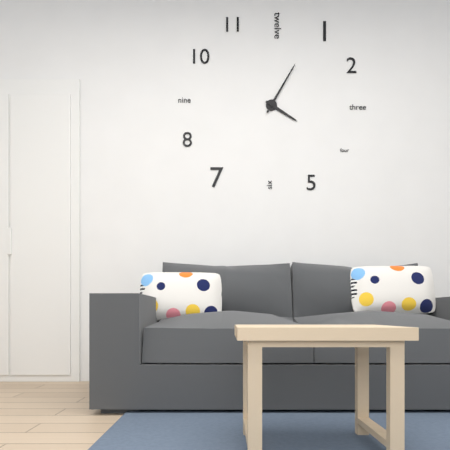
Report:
4,05
